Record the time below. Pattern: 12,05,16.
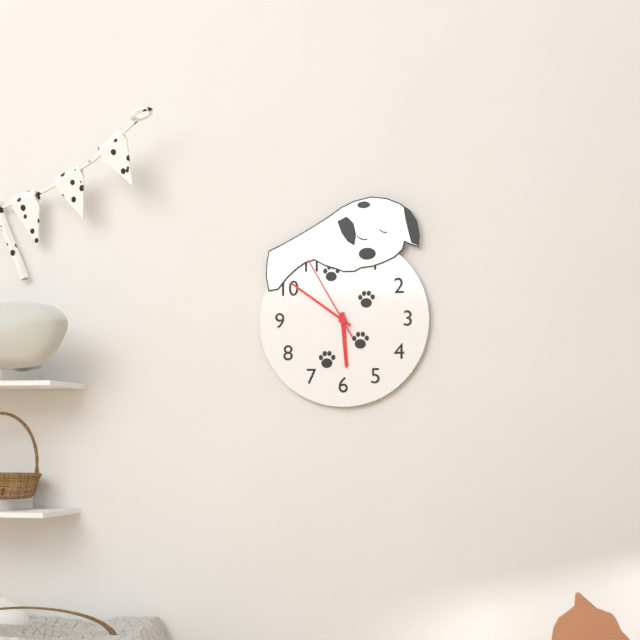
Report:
5,51,55
